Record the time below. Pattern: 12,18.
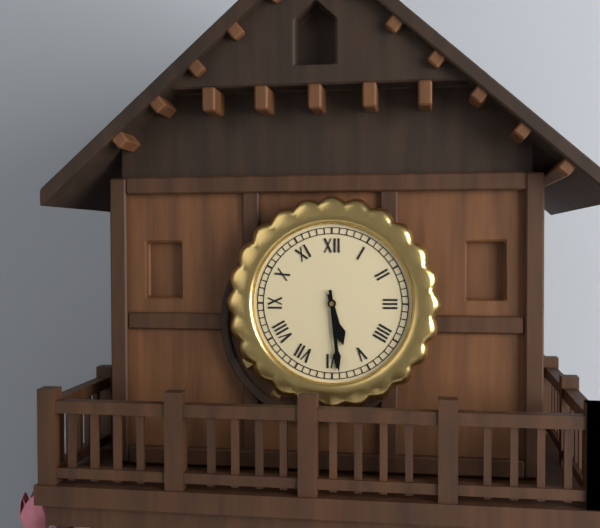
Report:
5,29
